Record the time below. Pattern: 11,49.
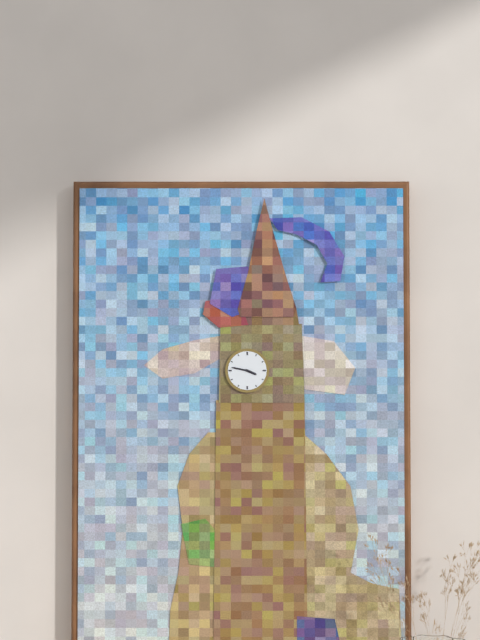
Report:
3,47
